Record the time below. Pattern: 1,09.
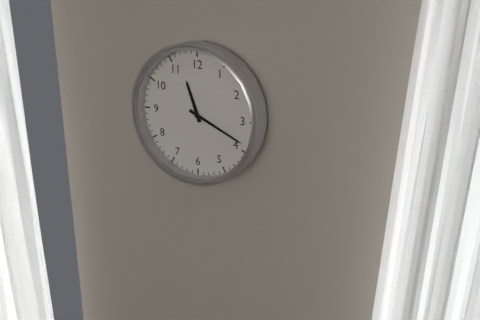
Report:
11,19
